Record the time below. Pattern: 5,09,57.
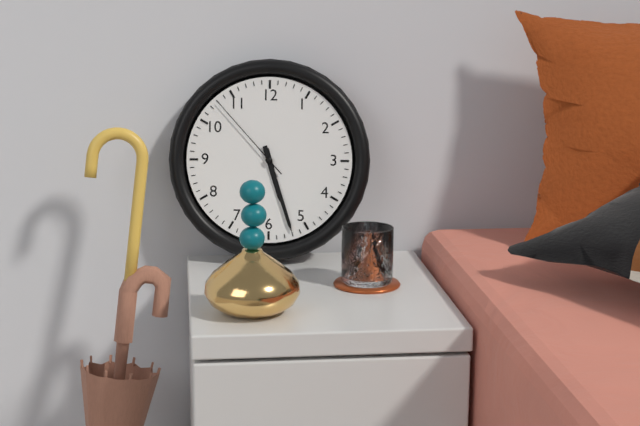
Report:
5,27,53
